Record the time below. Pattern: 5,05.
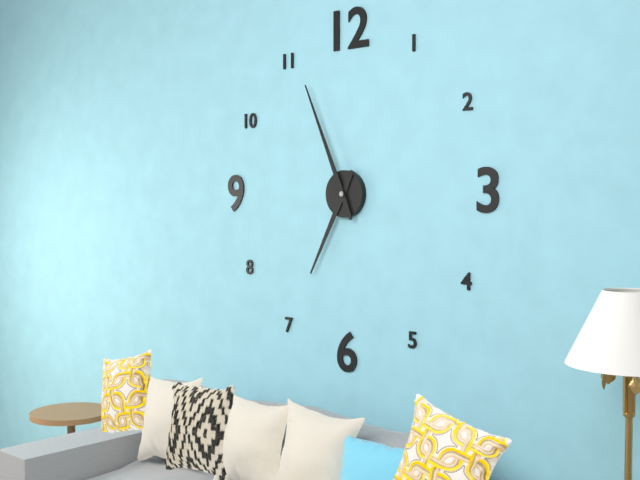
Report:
6,56
